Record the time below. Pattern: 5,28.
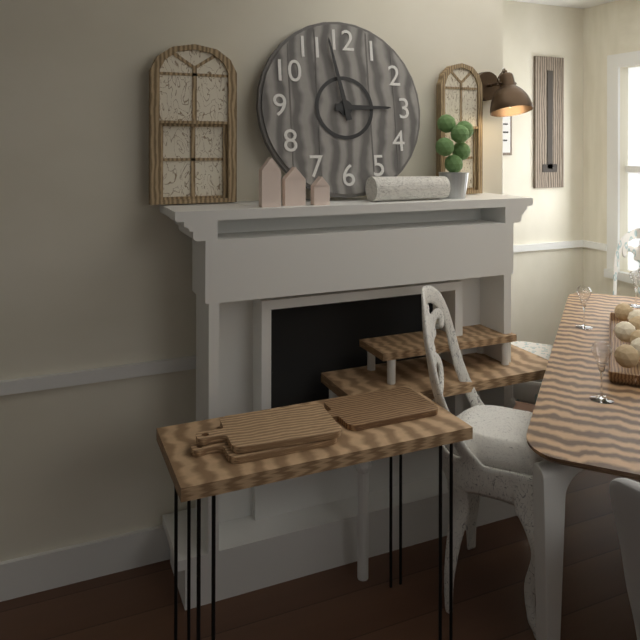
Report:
2,58
